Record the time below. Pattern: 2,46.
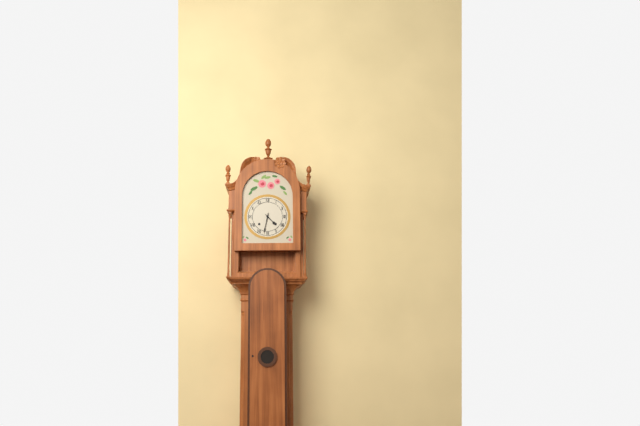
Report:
4,32
